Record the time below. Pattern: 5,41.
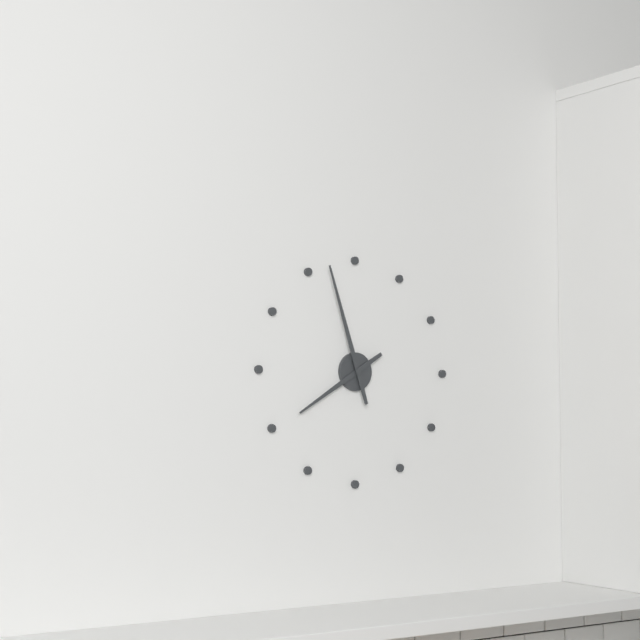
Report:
7,57
